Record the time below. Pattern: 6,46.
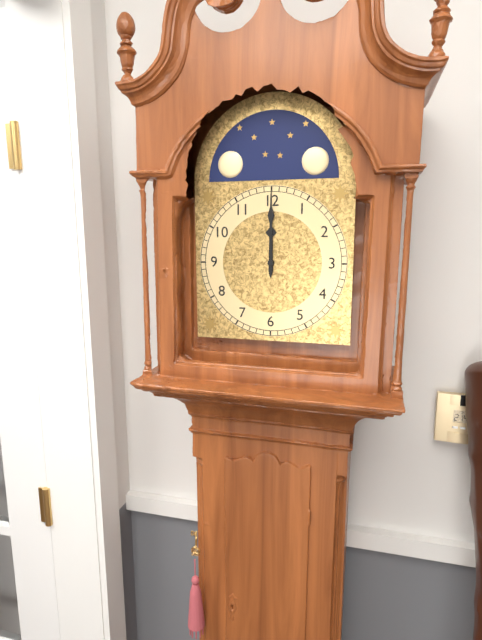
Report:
12,00
